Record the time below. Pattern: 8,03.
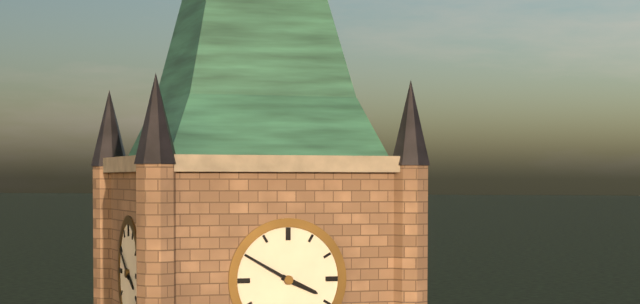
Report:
3,50
